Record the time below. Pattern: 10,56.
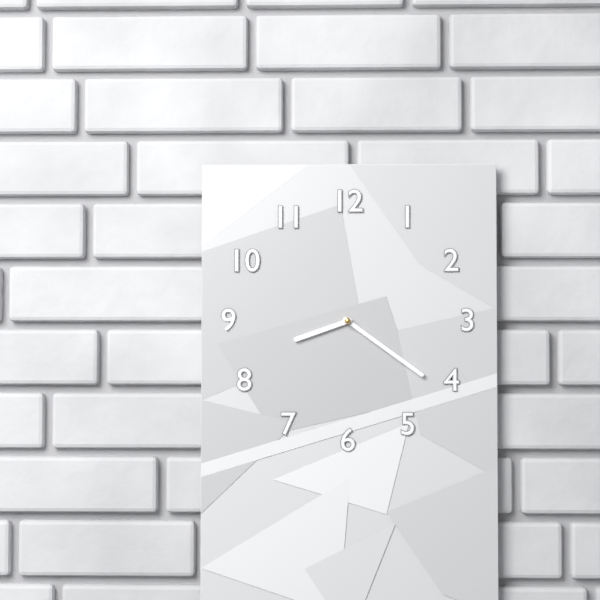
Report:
8,21
